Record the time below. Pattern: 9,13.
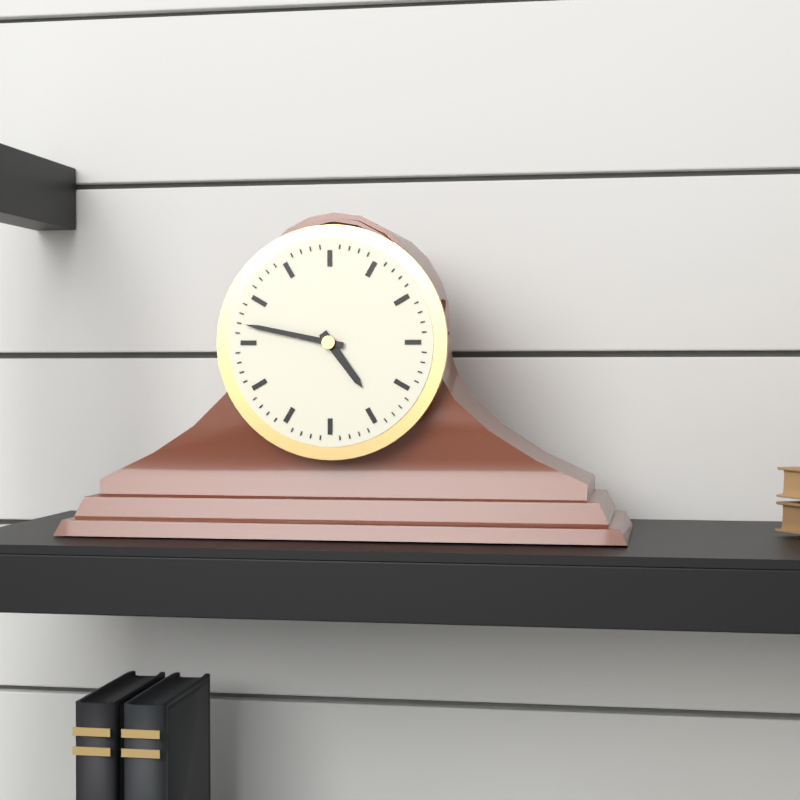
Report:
4,47
